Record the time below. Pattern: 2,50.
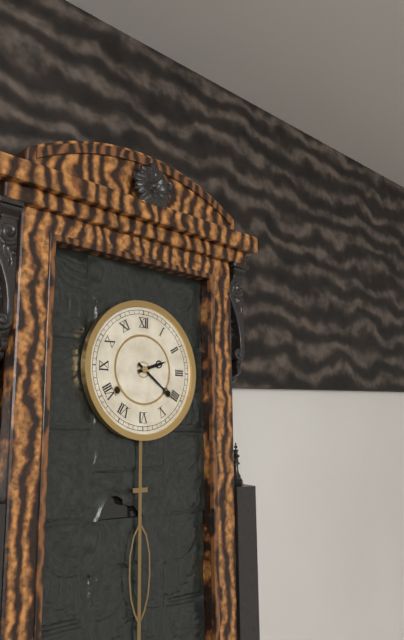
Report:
2,21
